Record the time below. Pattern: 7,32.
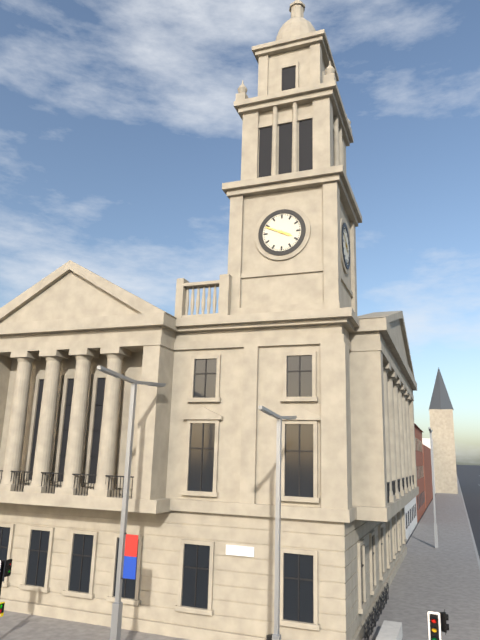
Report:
3,49
